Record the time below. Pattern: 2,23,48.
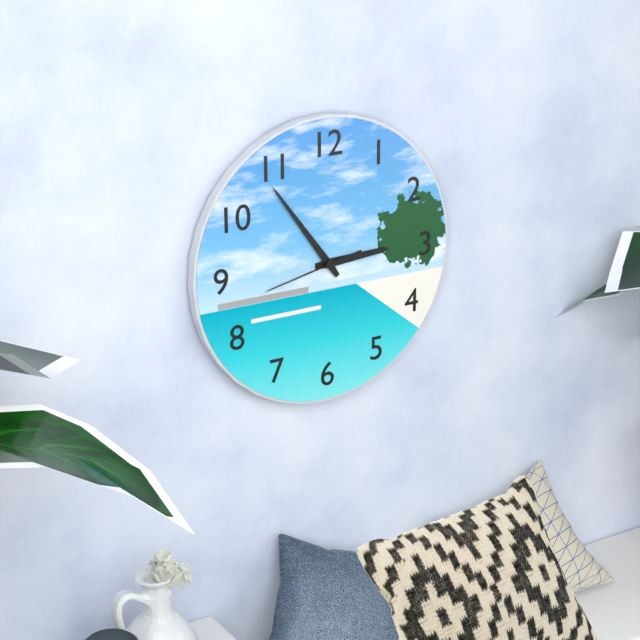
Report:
2,54,43
